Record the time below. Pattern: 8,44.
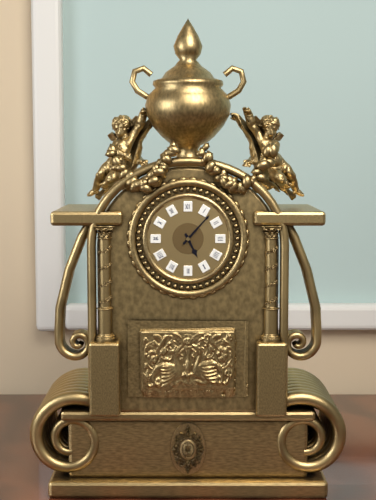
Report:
5,07
